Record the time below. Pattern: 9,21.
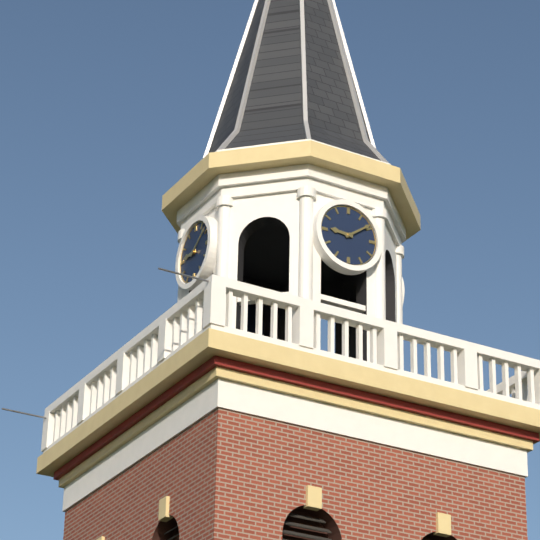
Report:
9,09
